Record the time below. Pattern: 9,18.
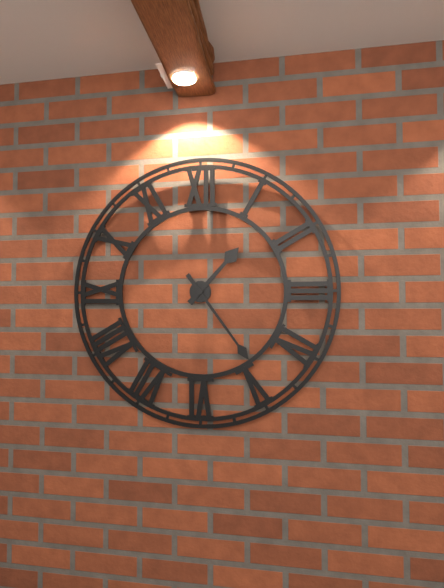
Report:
1,24
